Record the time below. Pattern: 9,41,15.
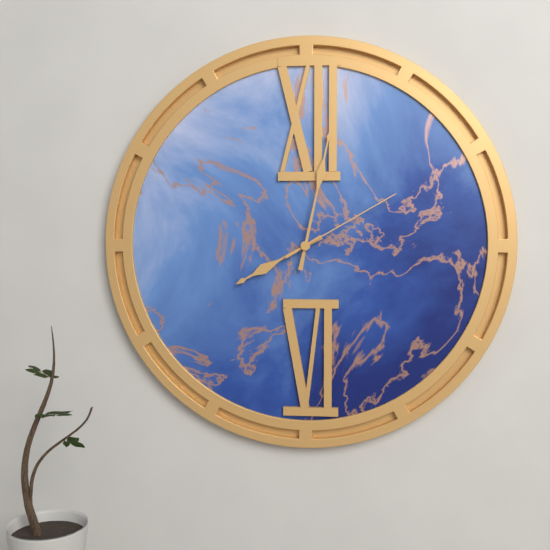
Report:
8,02,10
